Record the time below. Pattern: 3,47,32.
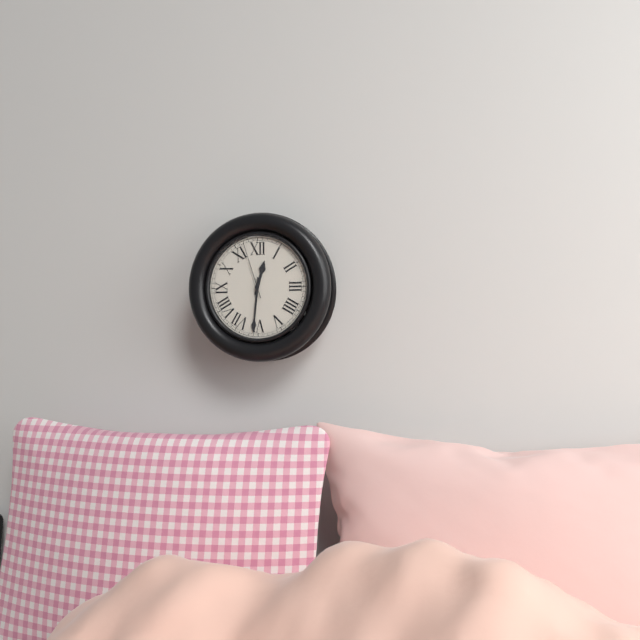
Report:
12,31,57
